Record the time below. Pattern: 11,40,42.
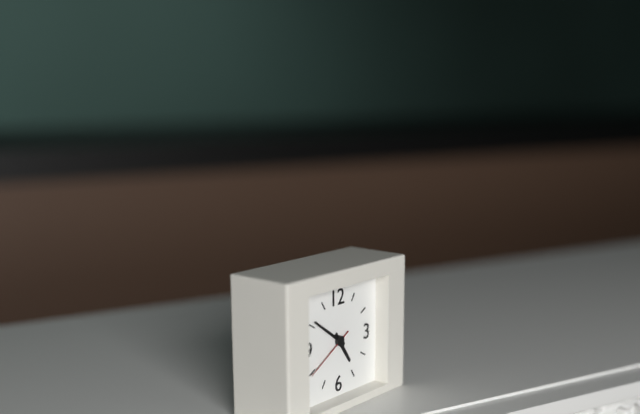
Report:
4,51,40
